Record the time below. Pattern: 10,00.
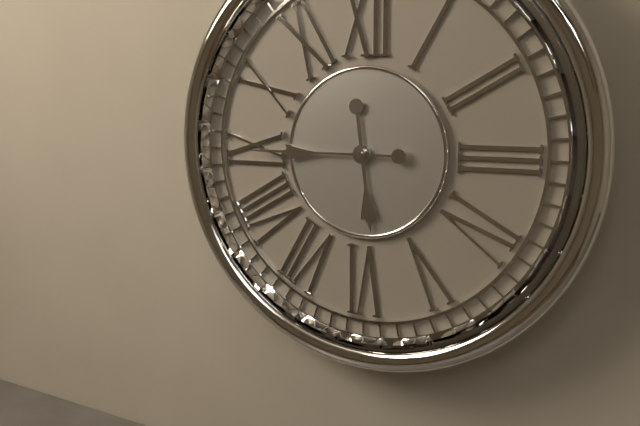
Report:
5,45
